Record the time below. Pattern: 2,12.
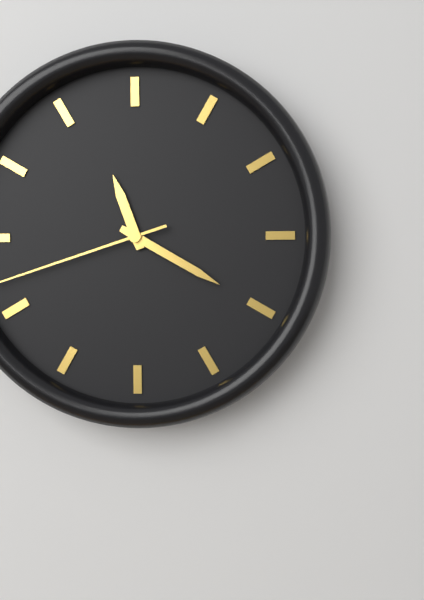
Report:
11,20
